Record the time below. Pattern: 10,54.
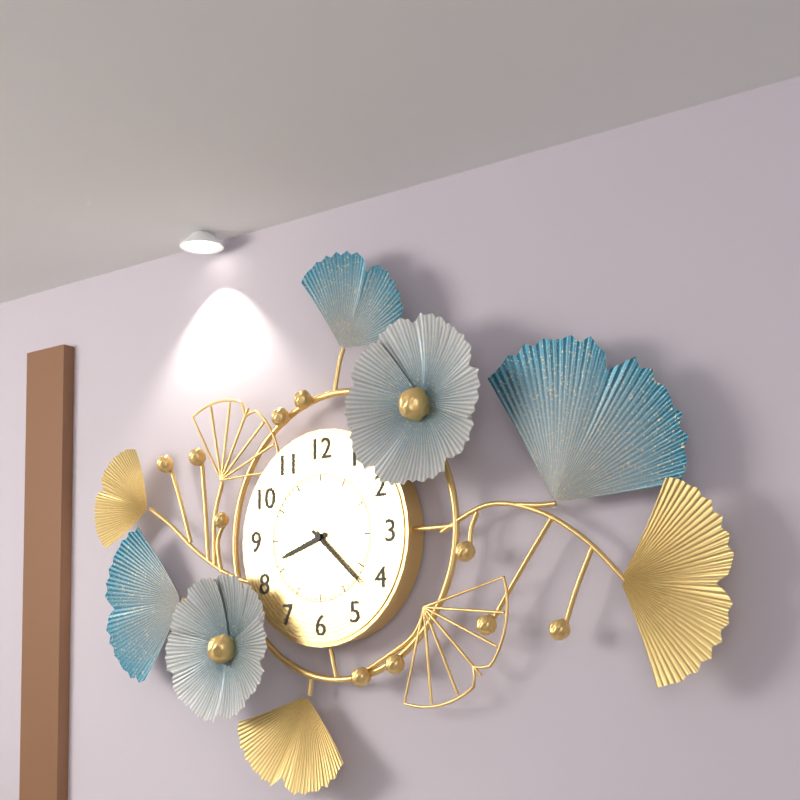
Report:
8,22
